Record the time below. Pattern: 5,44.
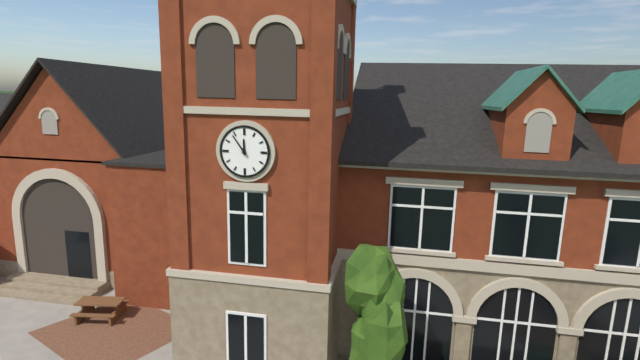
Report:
11,54
